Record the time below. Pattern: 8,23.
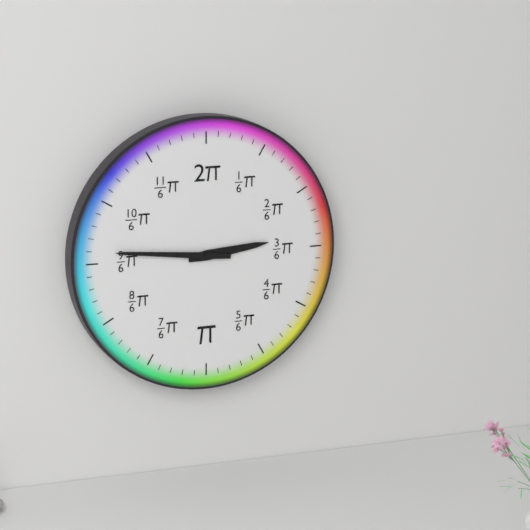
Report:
2,46
